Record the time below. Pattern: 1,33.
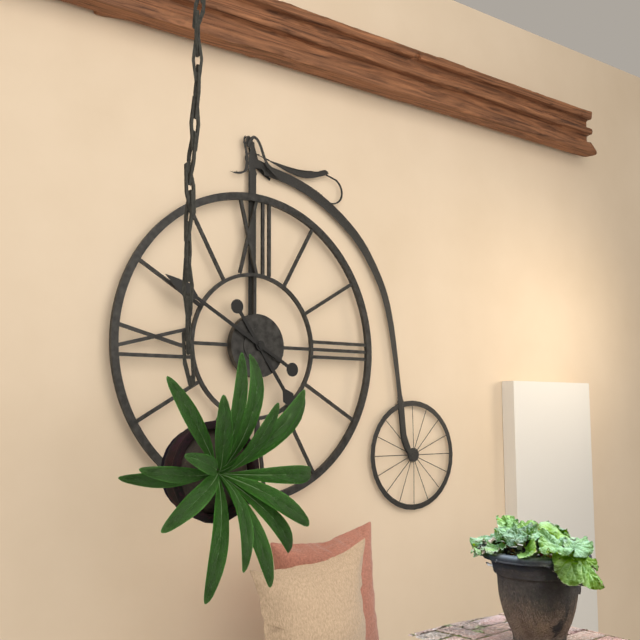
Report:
4,50
